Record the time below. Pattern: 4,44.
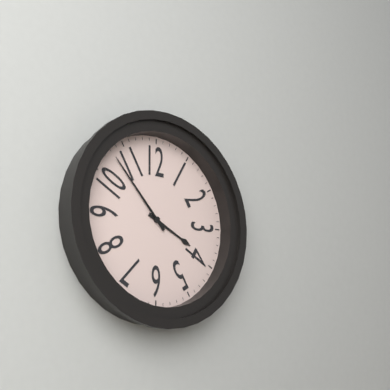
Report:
3,53
